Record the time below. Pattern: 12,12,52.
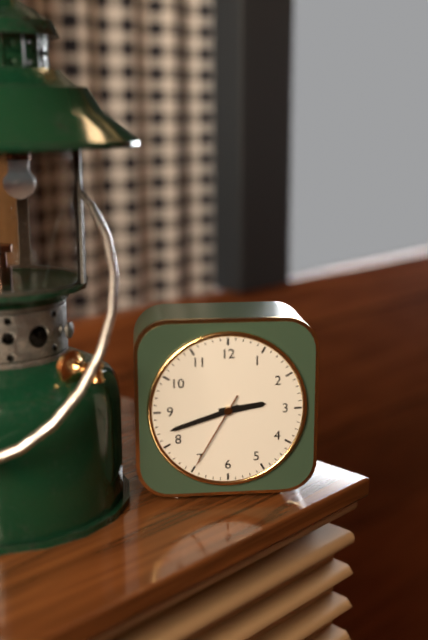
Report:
2,42,35
